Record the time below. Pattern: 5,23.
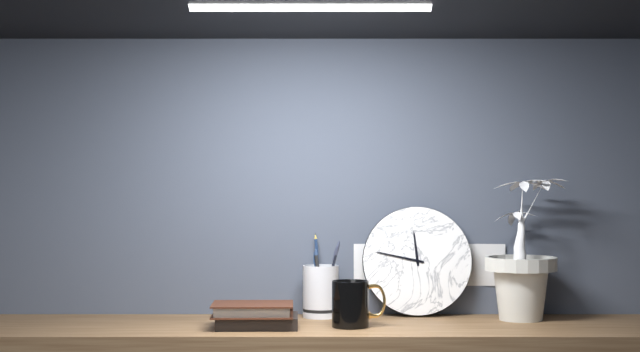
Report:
11,47
